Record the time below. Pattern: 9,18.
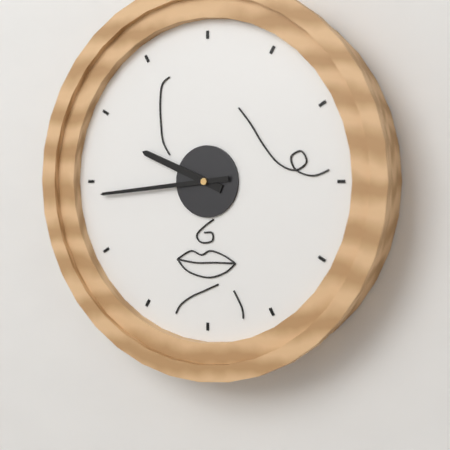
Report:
9,44
